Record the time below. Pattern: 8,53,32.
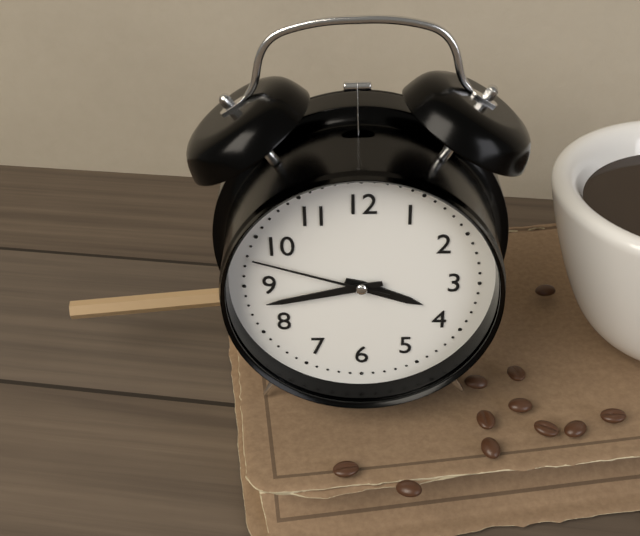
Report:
3,43,48
